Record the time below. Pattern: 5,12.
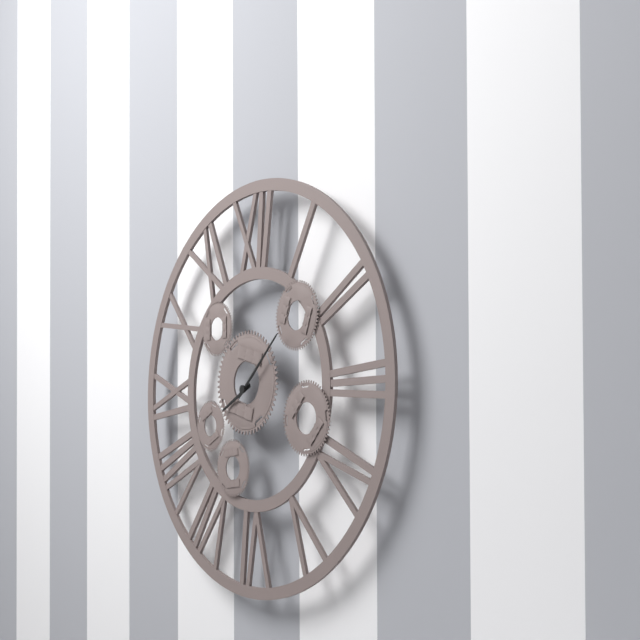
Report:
8,08
